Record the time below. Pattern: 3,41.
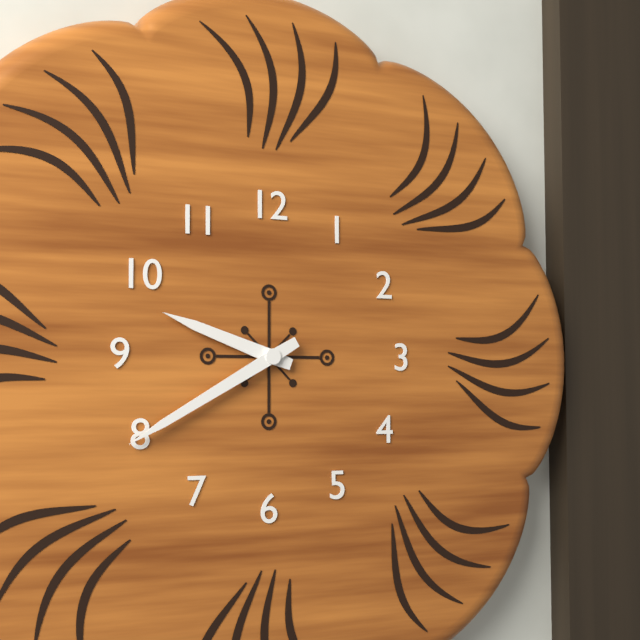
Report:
9,40
